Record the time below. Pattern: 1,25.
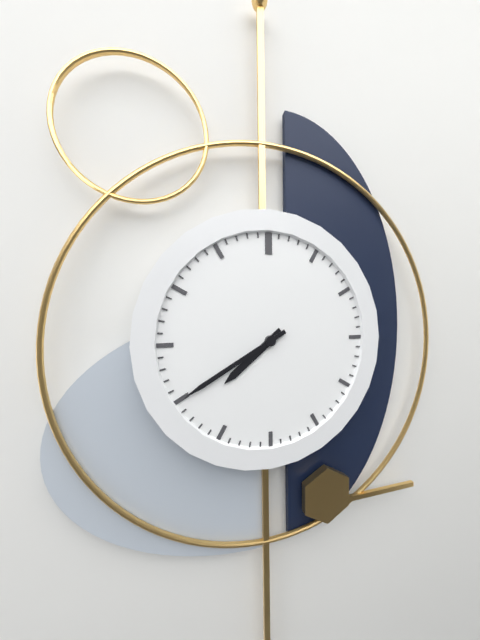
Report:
7,40
